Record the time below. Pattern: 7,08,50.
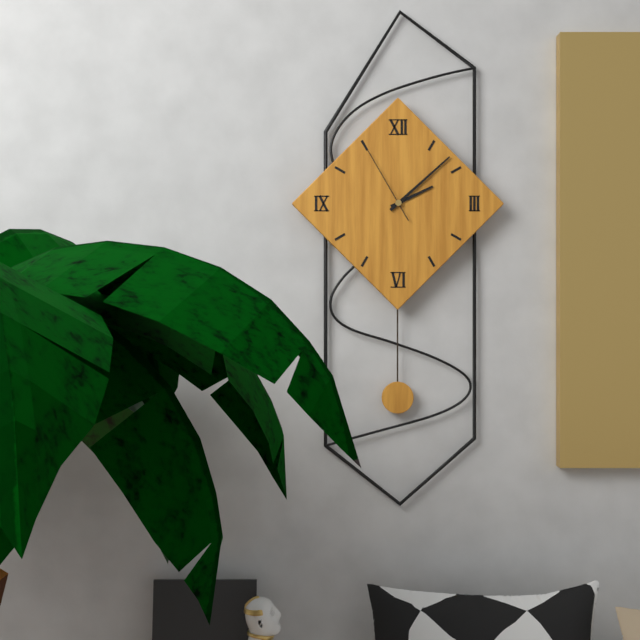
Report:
2,08,55
